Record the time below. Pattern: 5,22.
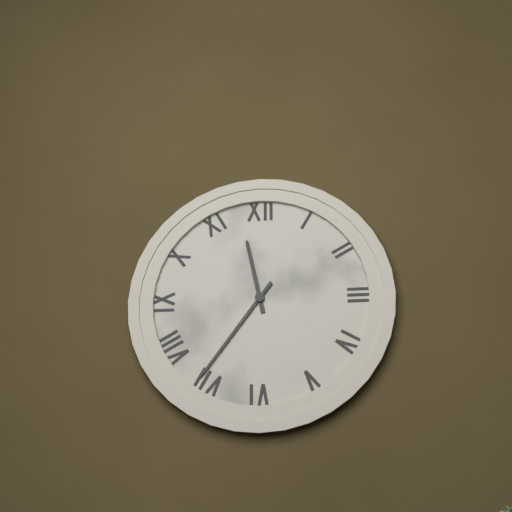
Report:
11,36
